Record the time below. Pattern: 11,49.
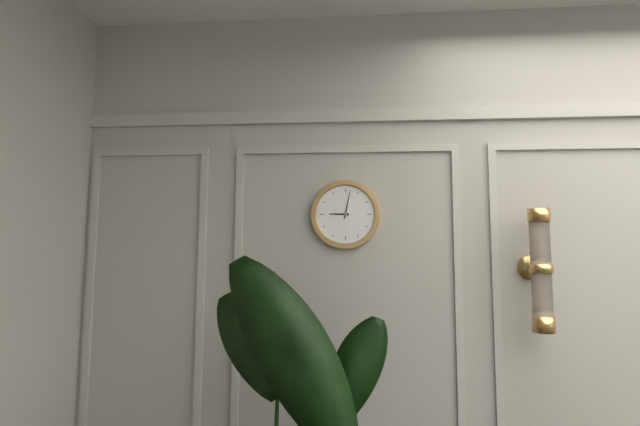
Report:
9,02
